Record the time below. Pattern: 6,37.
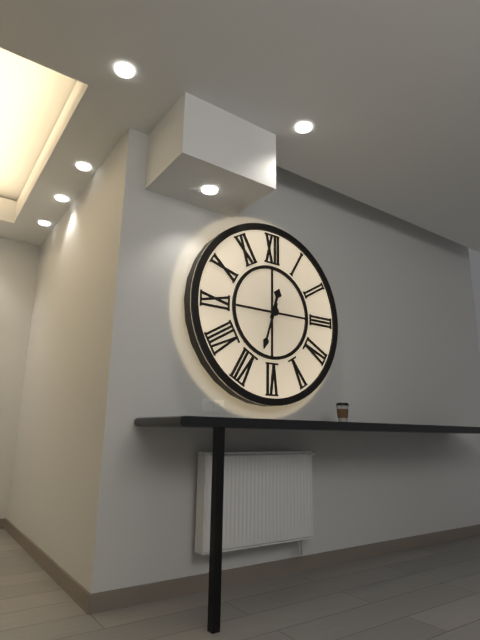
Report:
12,33
